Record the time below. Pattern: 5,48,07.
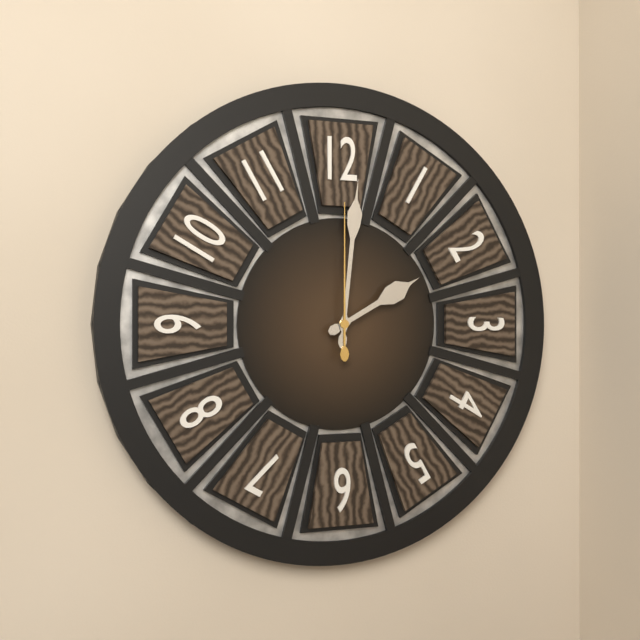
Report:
2,01,00
